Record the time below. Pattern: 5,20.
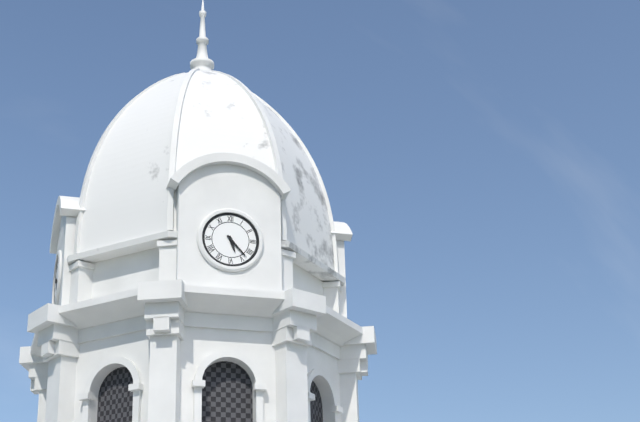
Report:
5,23
